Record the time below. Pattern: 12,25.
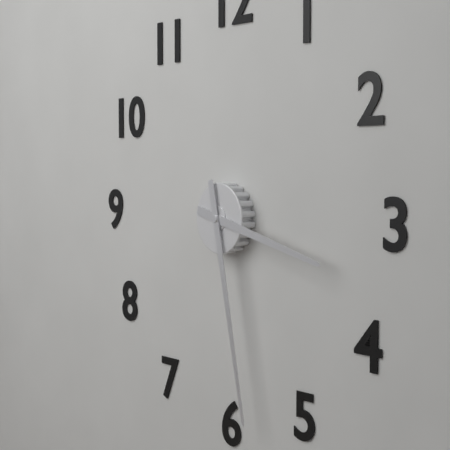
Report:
3,28
